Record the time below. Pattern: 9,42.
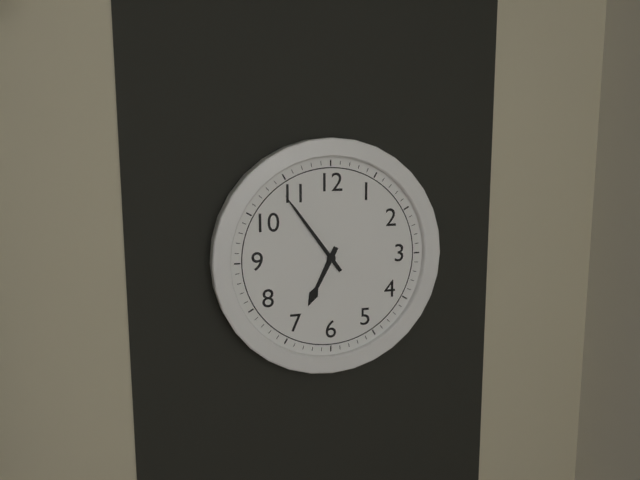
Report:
6,54
